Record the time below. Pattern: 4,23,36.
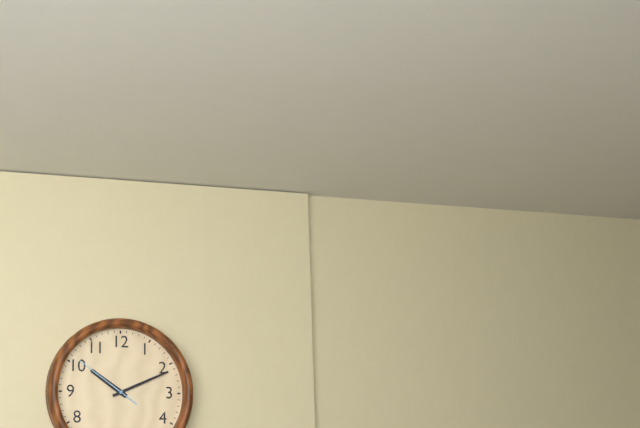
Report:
10,11,51
